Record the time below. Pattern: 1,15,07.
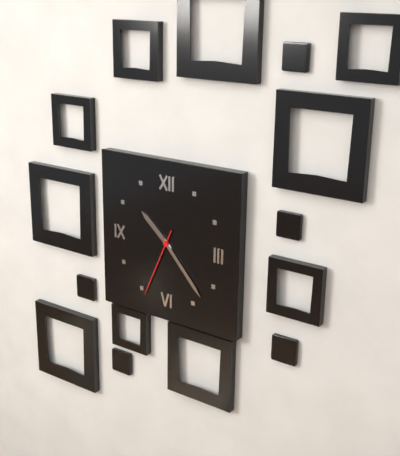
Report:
10,23,34
